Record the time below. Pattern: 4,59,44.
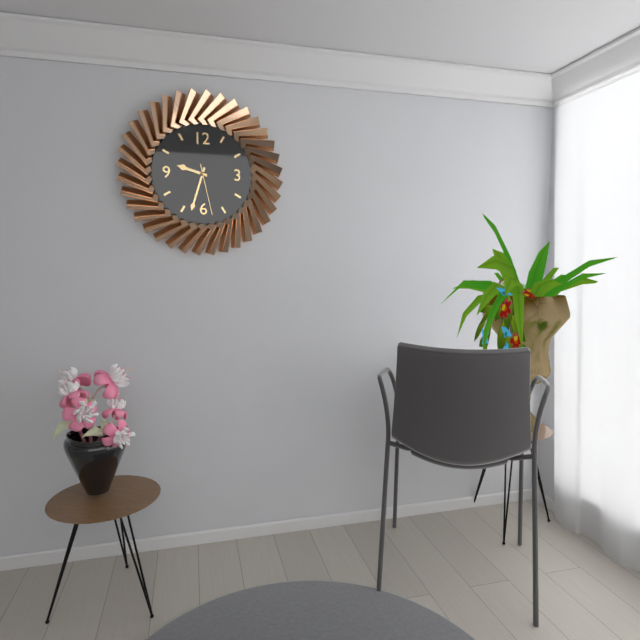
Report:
9,33,28
